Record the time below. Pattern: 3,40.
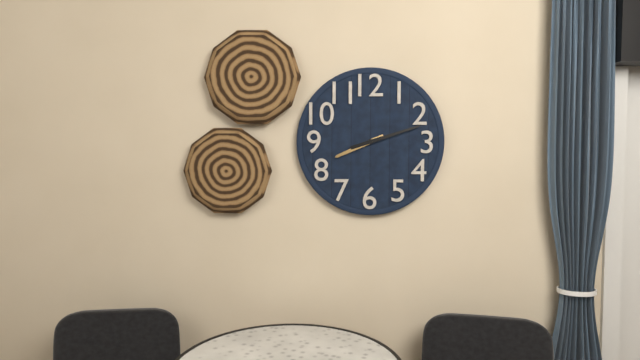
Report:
8,12
